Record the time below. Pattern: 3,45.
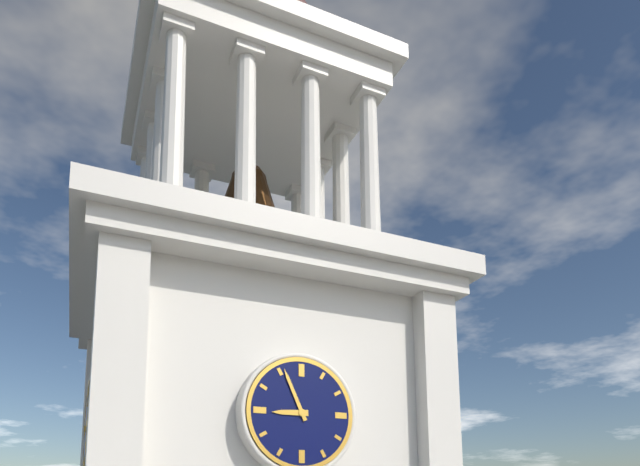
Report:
8,56
